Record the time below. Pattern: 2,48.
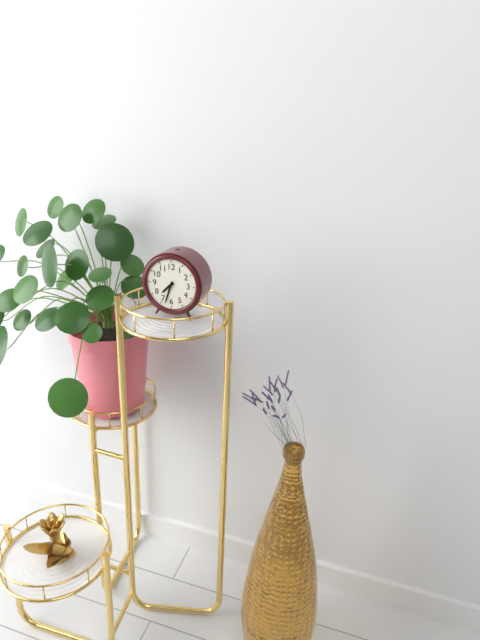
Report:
7,33
